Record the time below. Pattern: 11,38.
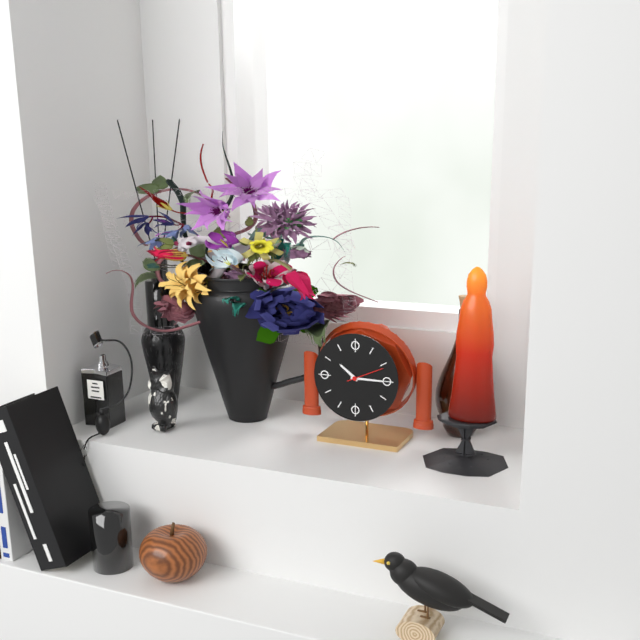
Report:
10,15
